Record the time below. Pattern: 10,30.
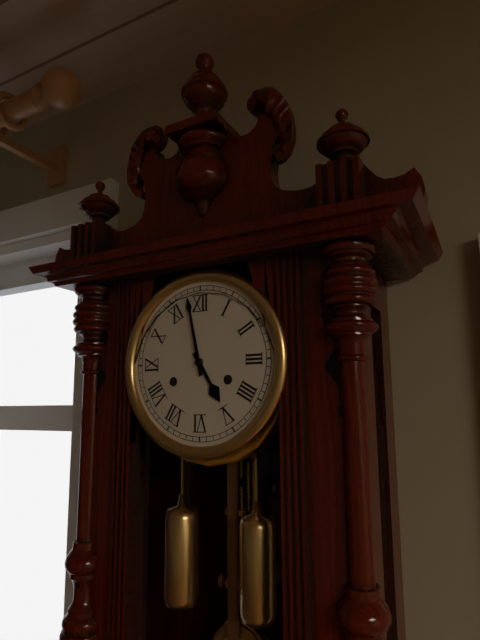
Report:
4,58
